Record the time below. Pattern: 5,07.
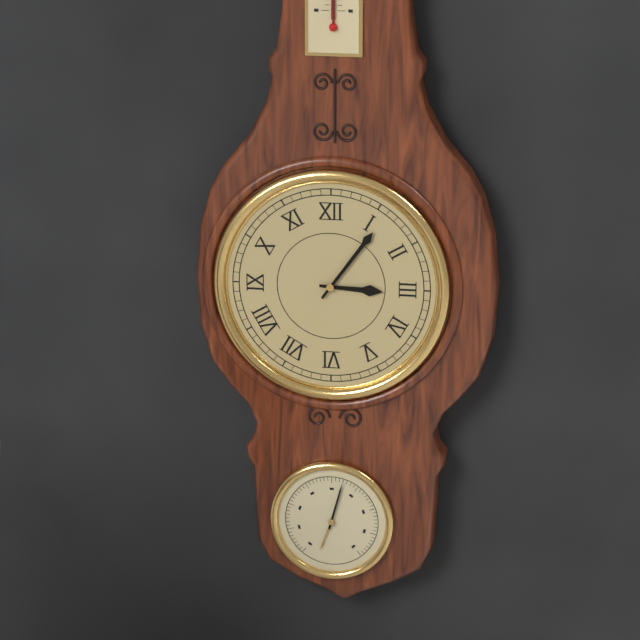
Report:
3,06
